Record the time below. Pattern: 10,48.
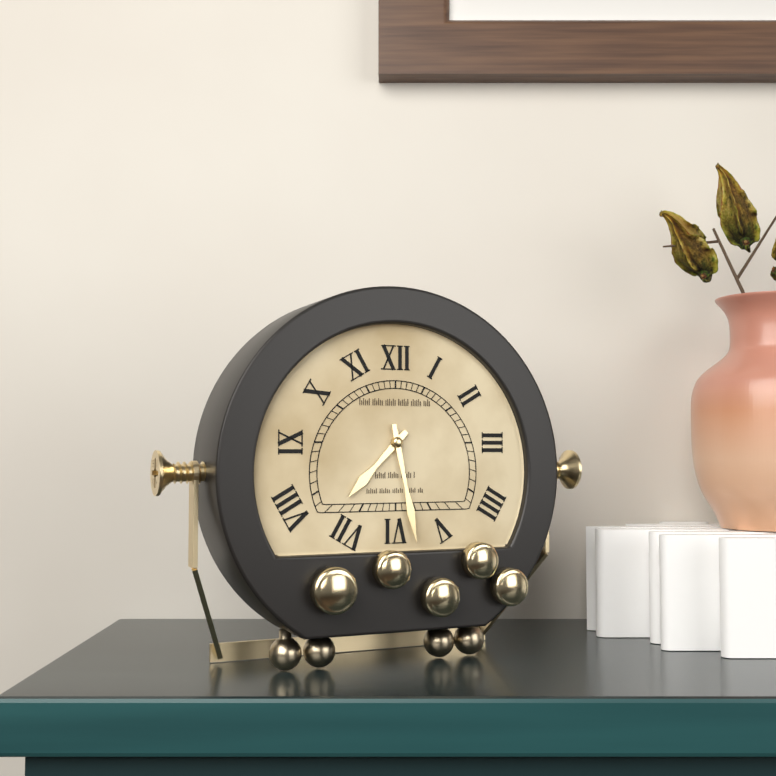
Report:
7,28
